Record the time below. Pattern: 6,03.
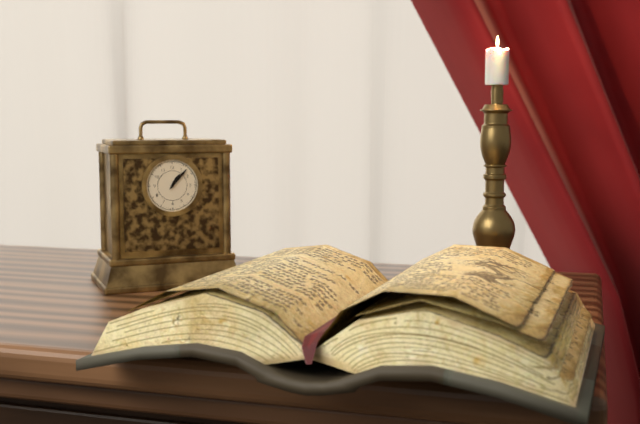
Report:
1,07
